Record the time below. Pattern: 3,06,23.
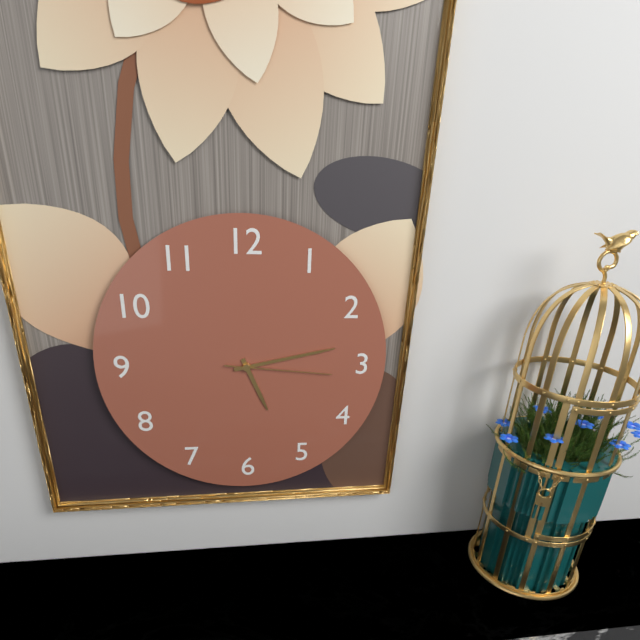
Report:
5,13,16
